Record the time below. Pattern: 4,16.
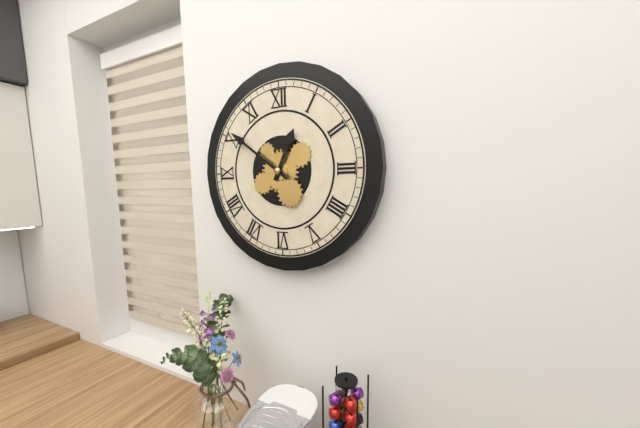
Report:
12,51
